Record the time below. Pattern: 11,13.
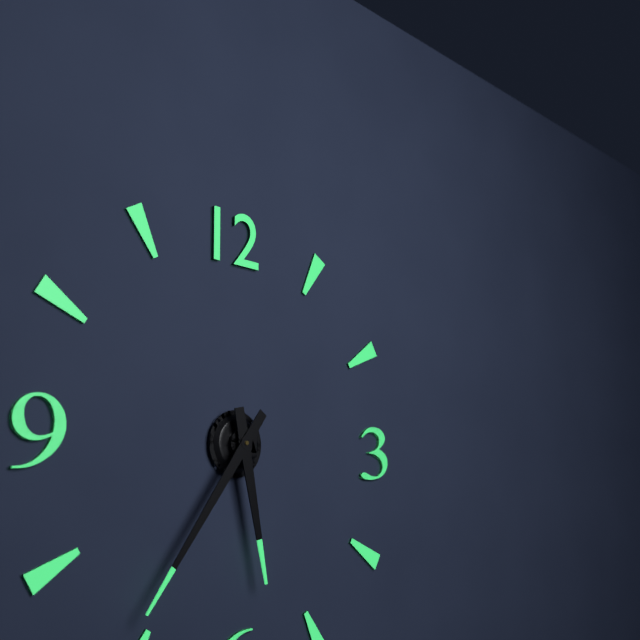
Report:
5,36
